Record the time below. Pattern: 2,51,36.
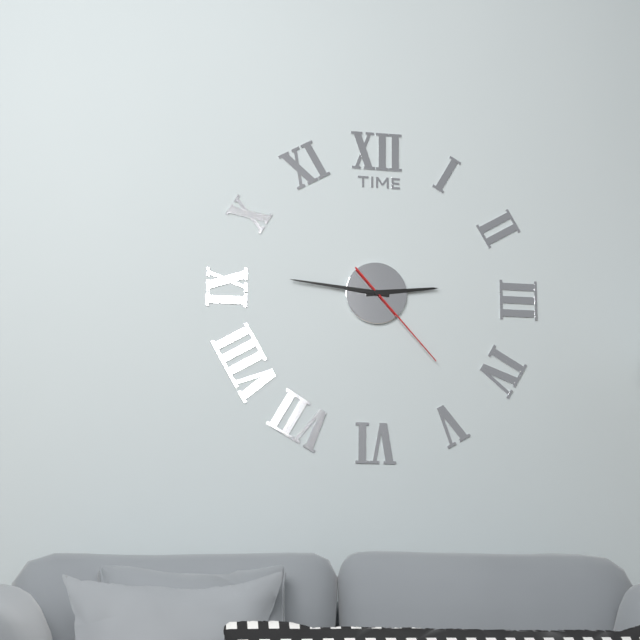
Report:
2,46,23
